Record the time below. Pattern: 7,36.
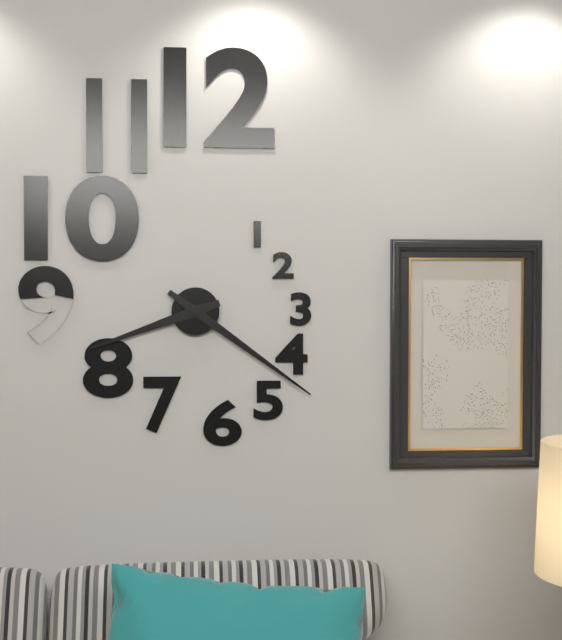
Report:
8,21
